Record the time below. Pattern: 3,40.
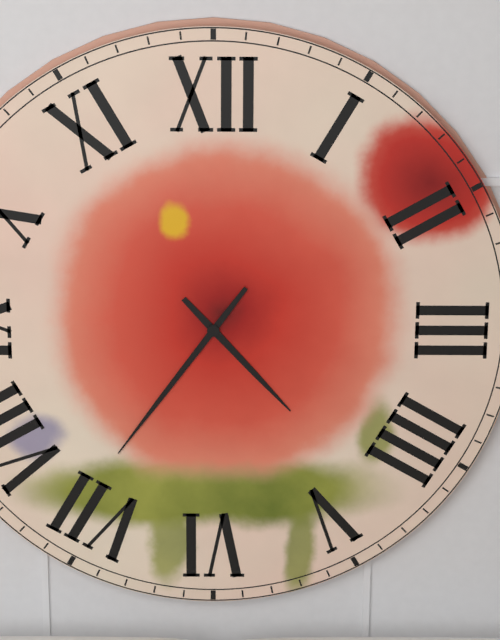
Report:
4,36
